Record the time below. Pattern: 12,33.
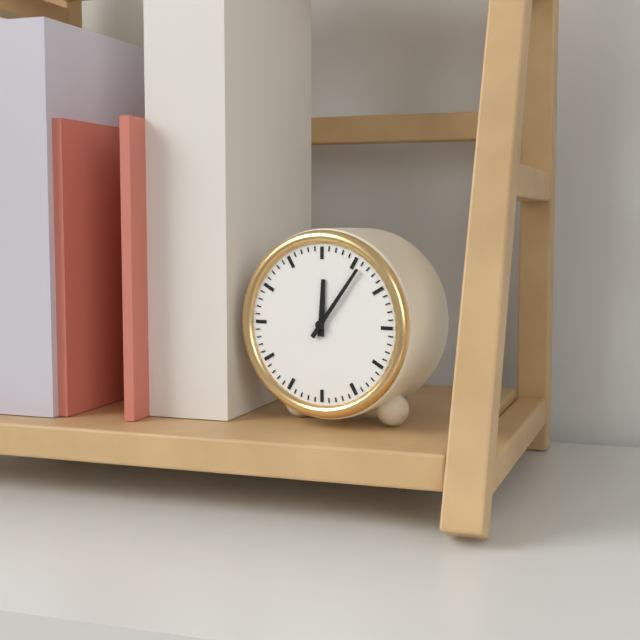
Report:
12,06
